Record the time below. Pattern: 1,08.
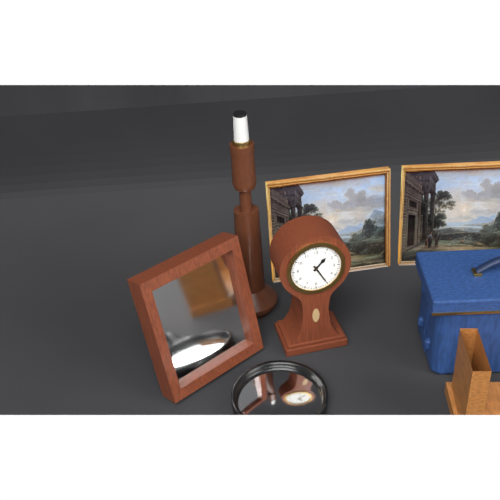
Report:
1,25
